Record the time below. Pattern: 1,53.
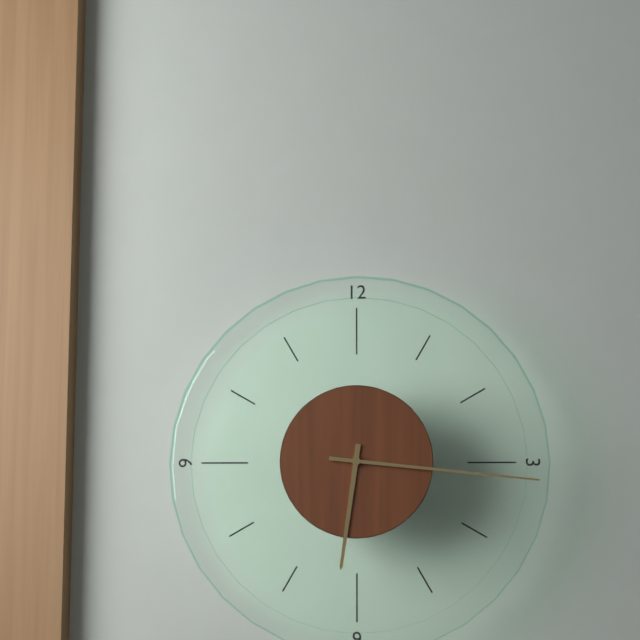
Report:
6,16
